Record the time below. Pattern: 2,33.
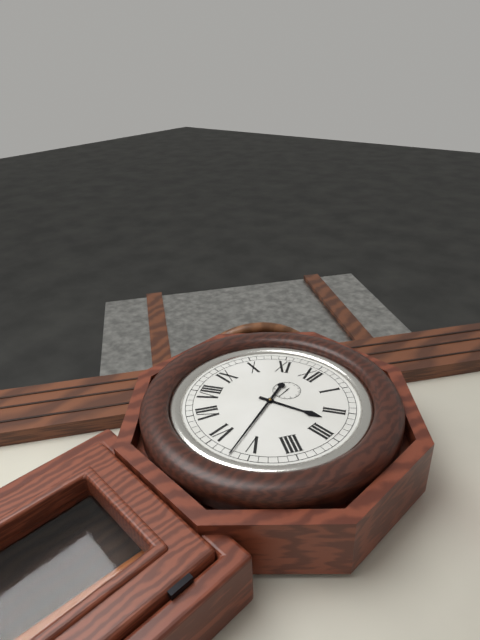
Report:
2,27
